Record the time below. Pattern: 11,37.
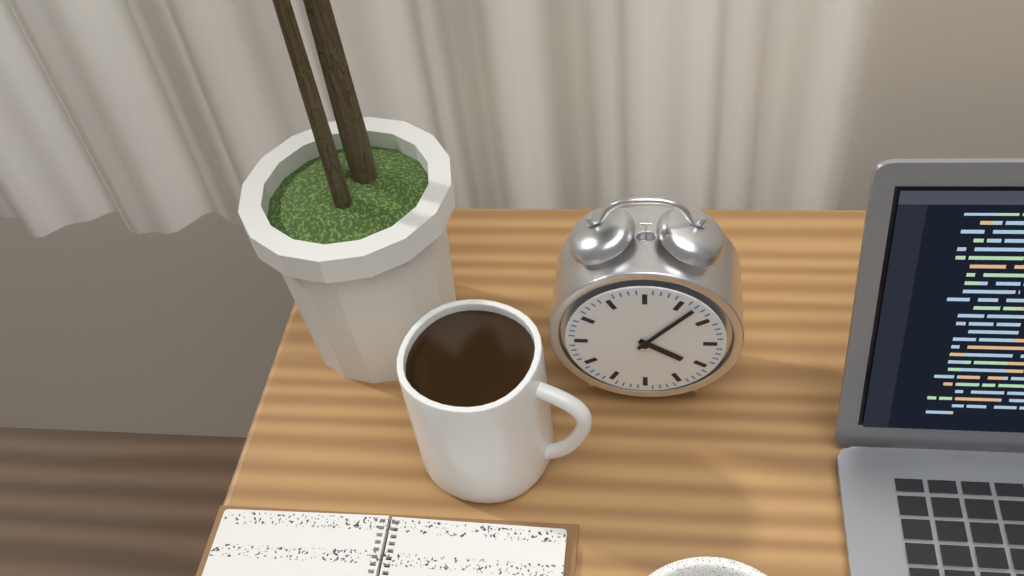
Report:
4,07
